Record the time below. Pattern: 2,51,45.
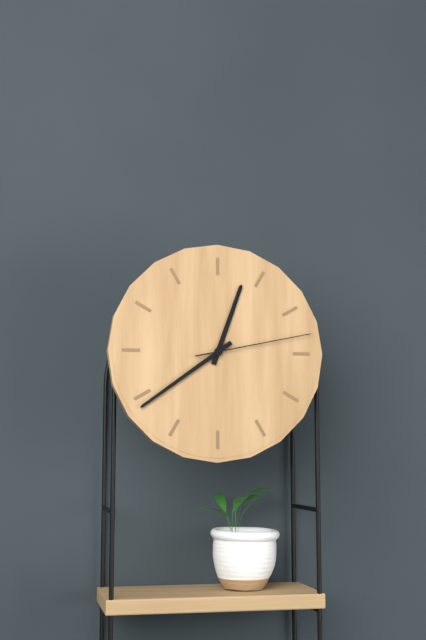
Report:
12,39,13
